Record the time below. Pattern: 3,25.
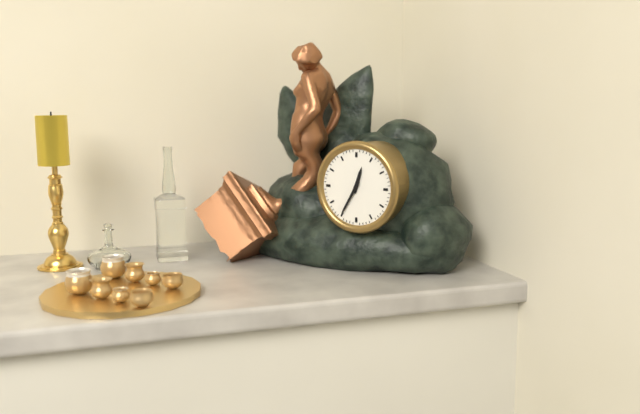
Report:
12,35
